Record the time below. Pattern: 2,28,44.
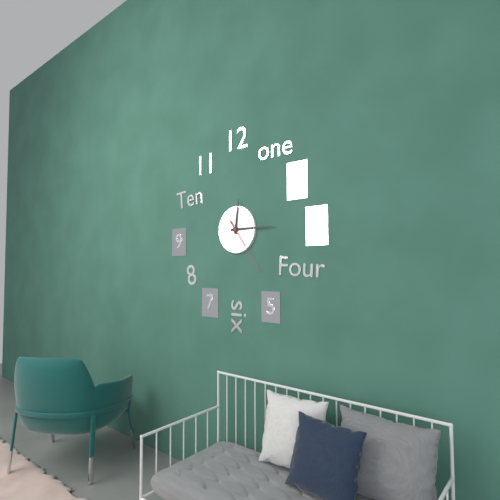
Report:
12,15,24
